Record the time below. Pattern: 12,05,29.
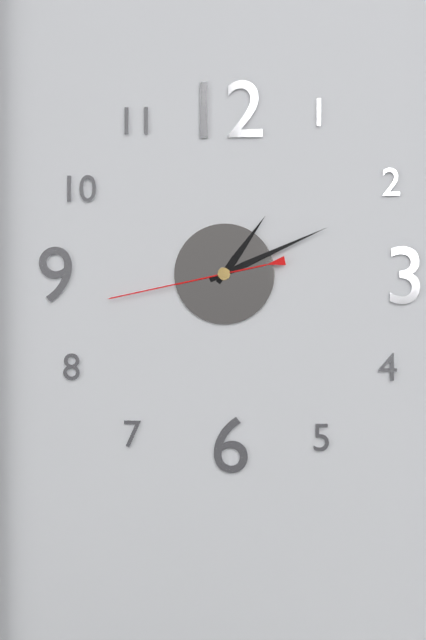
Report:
1,11,43
